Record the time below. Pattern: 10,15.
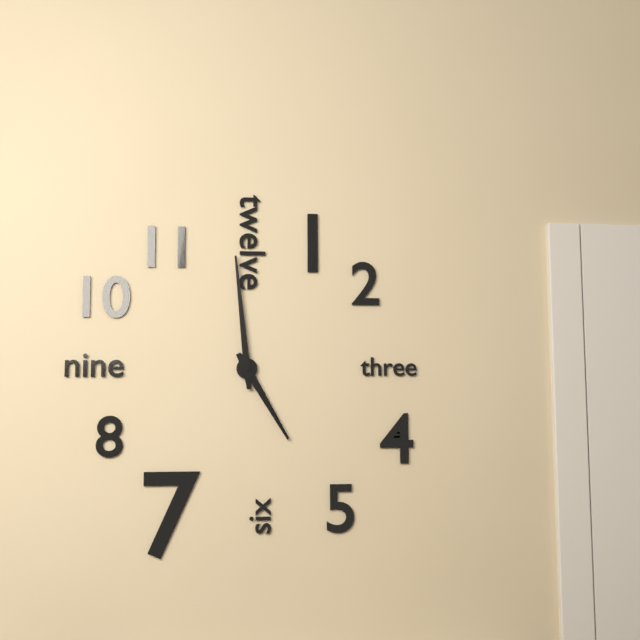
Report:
4,59
